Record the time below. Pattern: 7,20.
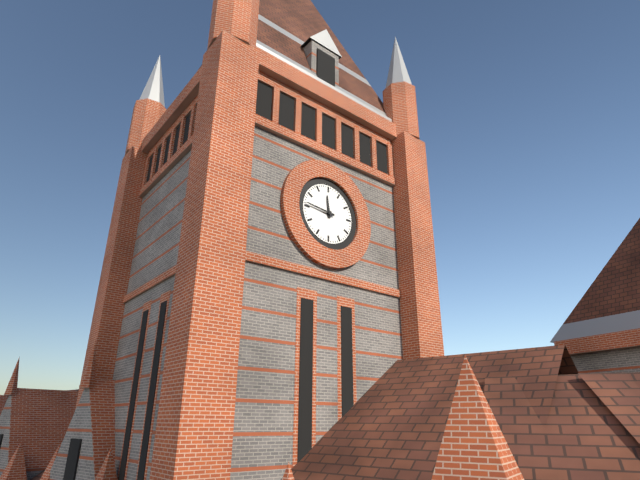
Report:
11,46
